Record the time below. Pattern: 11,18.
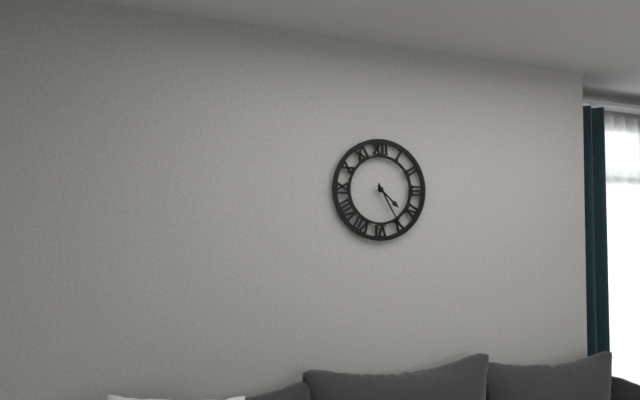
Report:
4,25
